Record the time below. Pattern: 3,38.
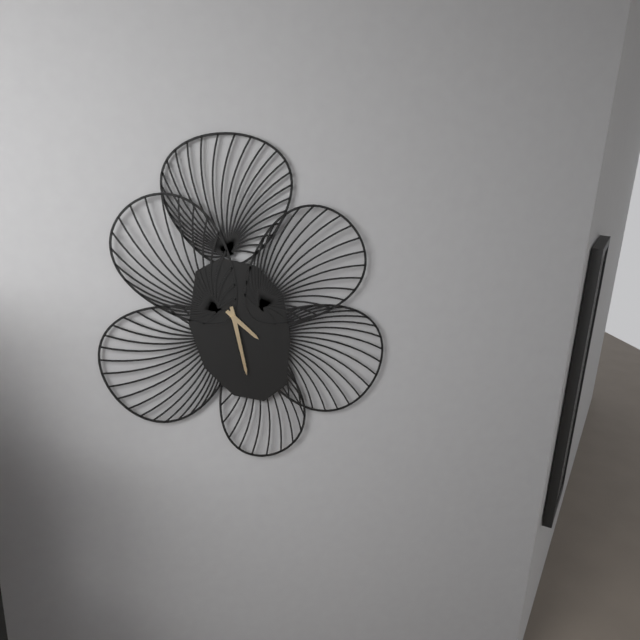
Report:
4,28
